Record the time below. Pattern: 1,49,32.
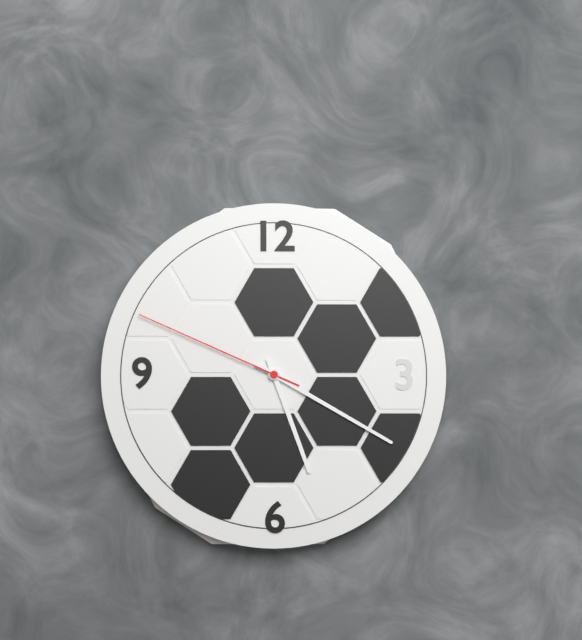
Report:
5,20,49
